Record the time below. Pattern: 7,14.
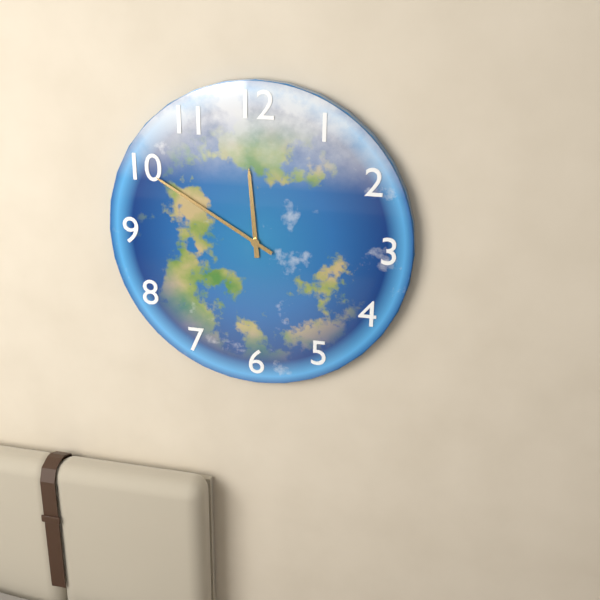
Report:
11,50
